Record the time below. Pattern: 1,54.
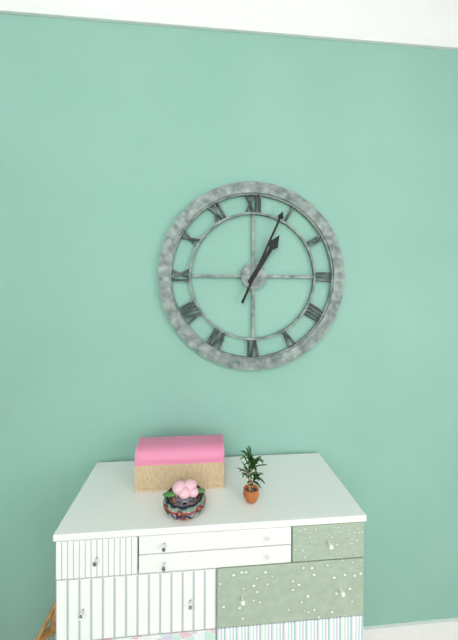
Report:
1,04
